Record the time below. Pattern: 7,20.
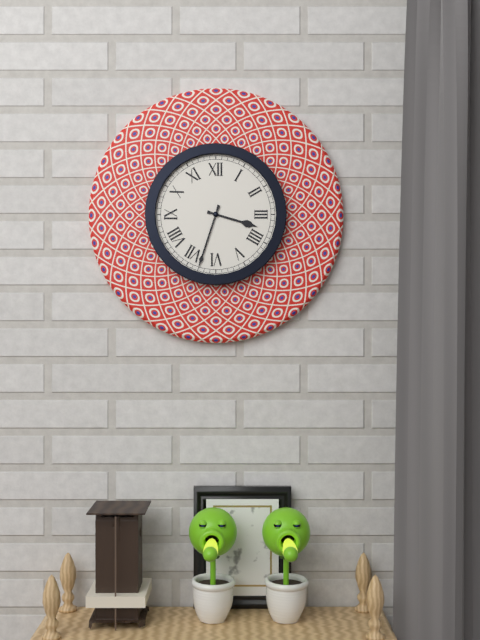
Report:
3,33
